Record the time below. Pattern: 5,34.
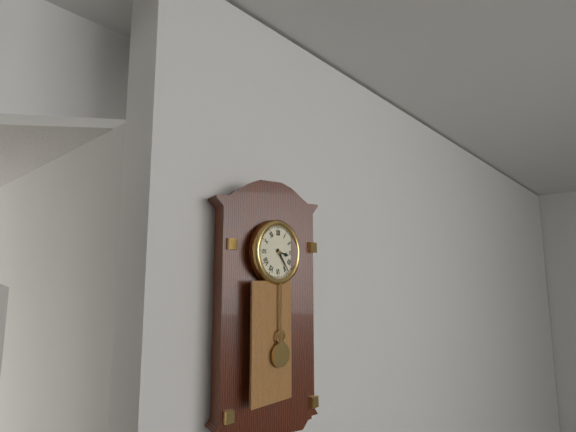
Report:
3,24
